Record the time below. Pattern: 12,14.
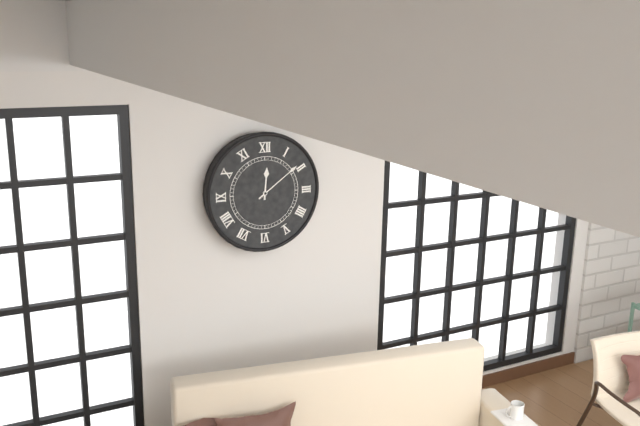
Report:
12,09
